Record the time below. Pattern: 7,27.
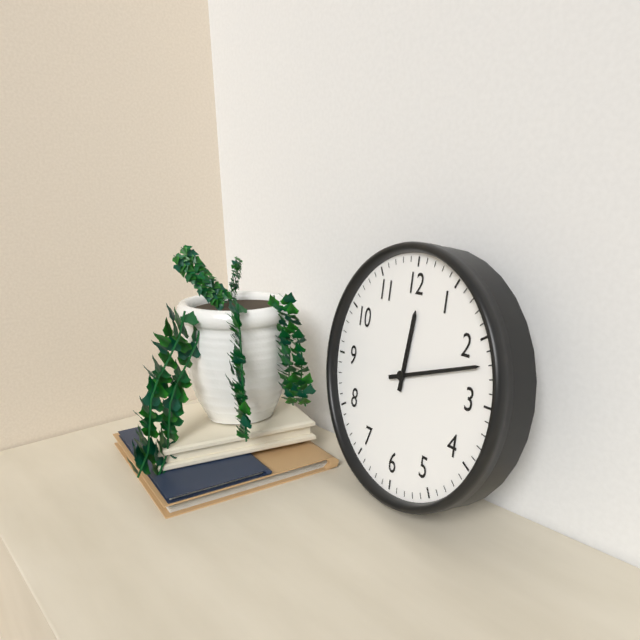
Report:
12,12
